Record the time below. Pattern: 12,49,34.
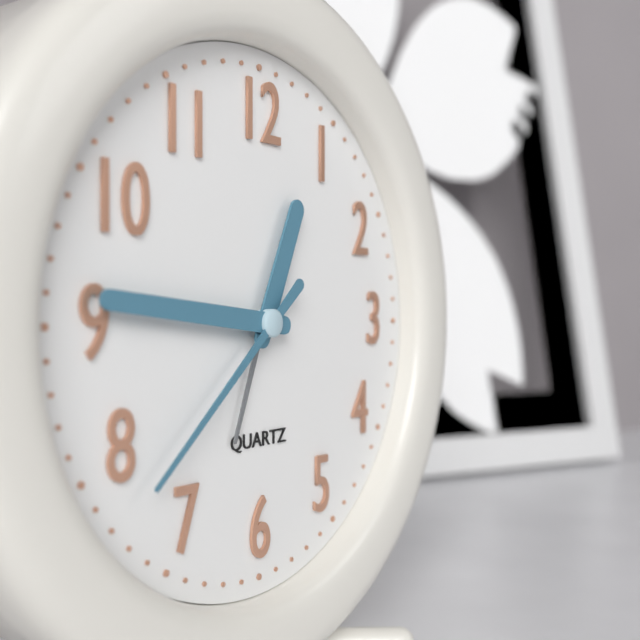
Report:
12,46,38
